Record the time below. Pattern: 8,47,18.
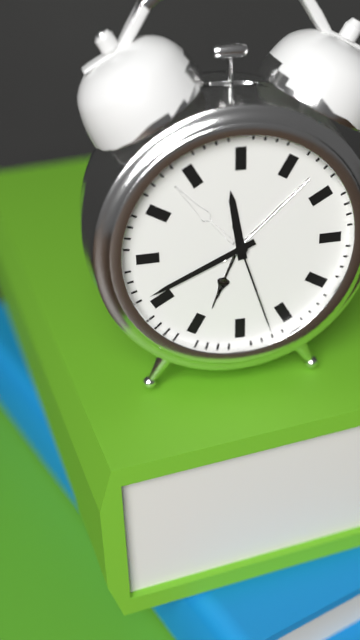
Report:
11,41,27
